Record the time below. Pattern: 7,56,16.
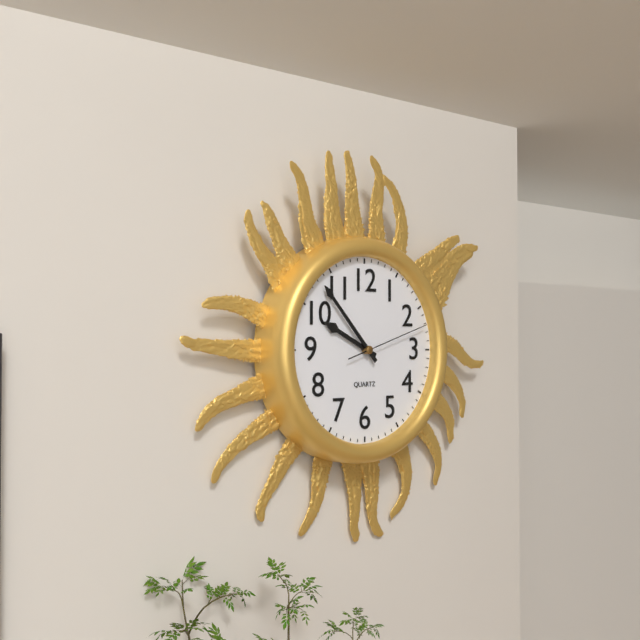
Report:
9,53,12
